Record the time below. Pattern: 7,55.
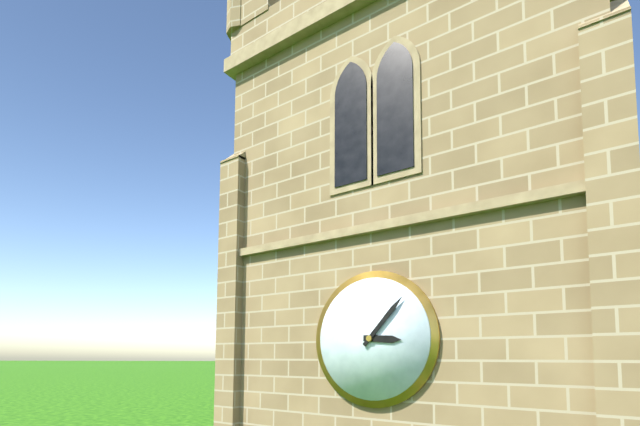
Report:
3,07
